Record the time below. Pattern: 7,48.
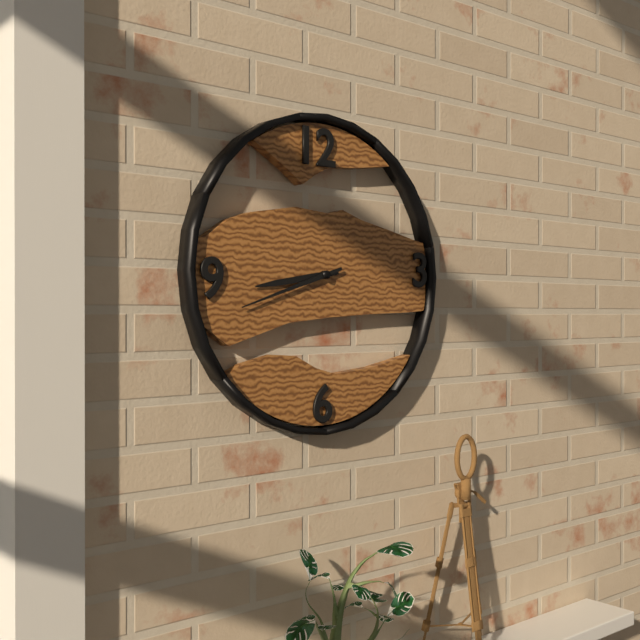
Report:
8,42
